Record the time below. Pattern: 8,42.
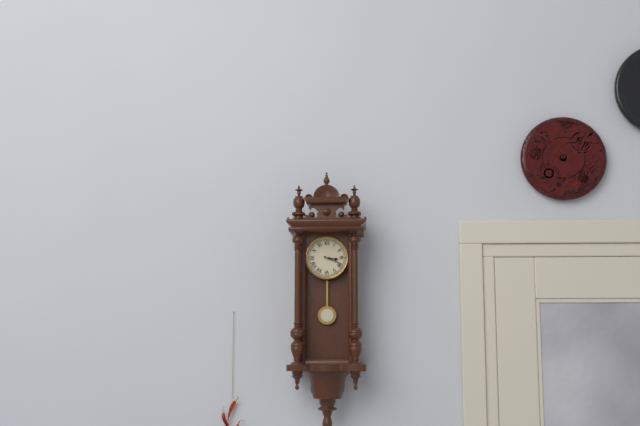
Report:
3,19
